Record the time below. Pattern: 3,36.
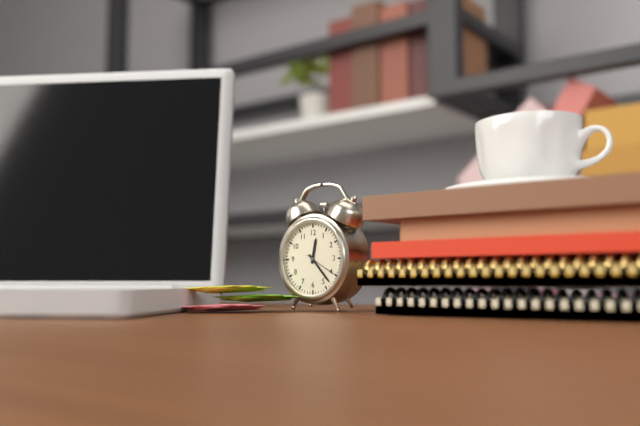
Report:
12,23
